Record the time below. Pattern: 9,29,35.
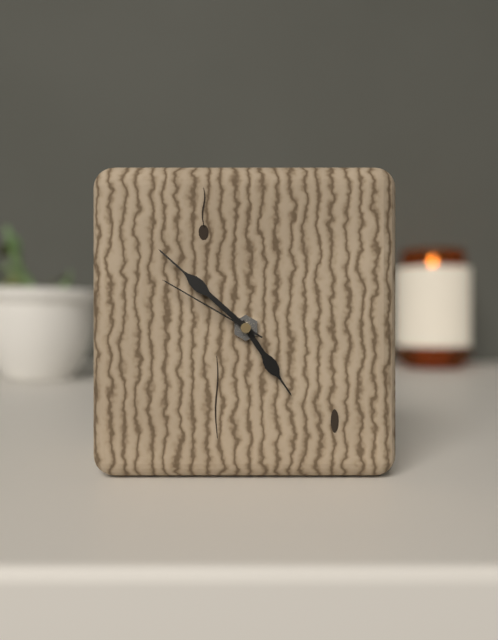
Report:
4,52,50
